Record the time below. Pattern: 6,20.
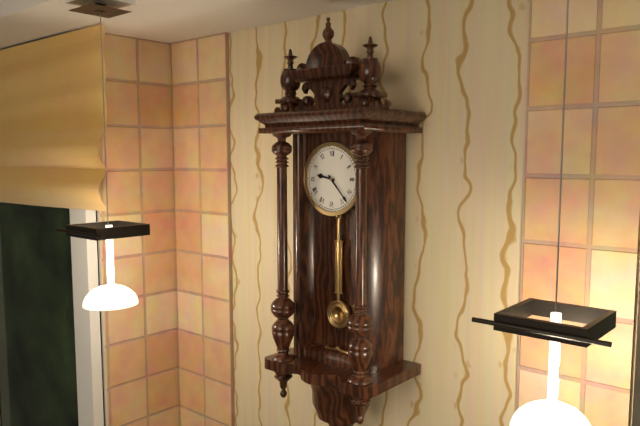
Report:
9,23
